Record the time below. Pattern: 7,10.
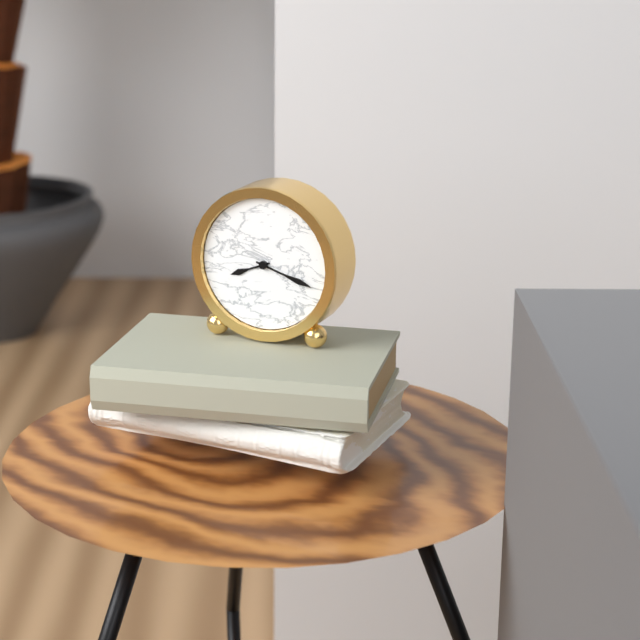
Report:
8,18
